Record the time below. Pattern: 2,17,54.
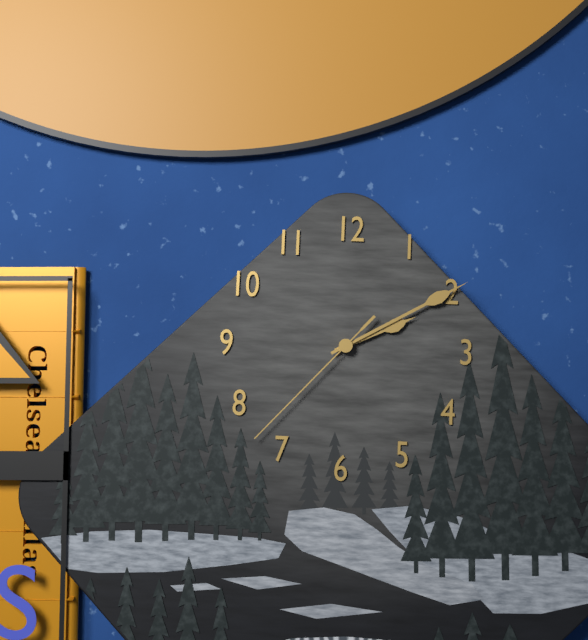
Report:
2,10,37
